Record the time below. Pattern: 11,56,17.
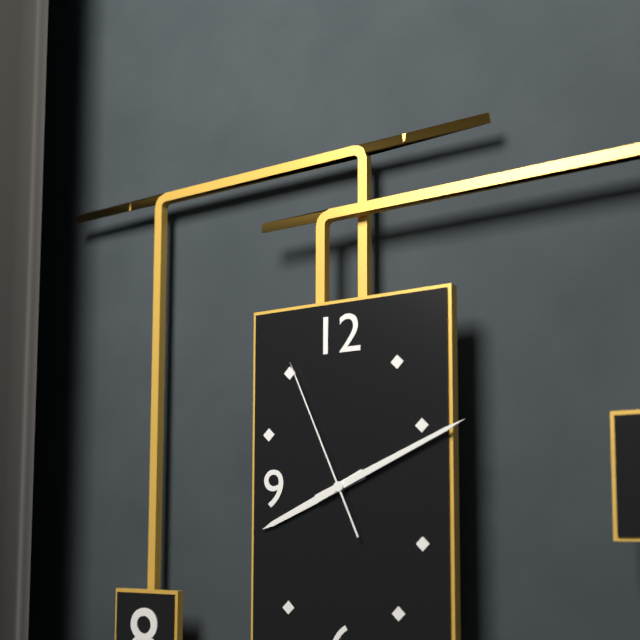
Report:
8,11,56
